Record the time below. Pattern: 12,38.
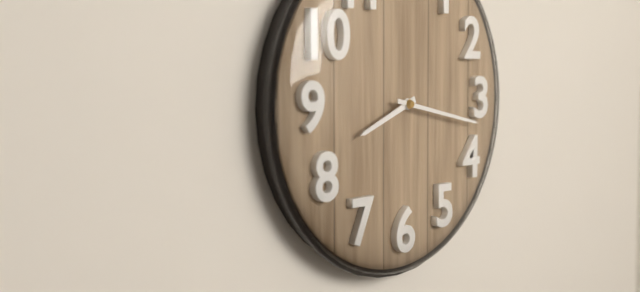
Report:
8,17
